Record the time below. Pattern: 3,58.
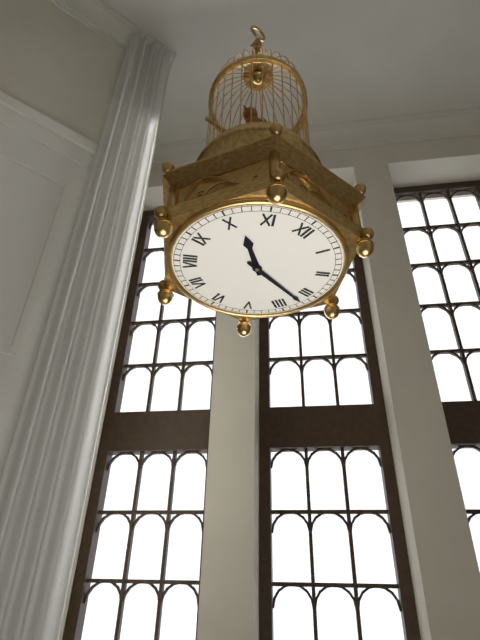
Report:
10,17
